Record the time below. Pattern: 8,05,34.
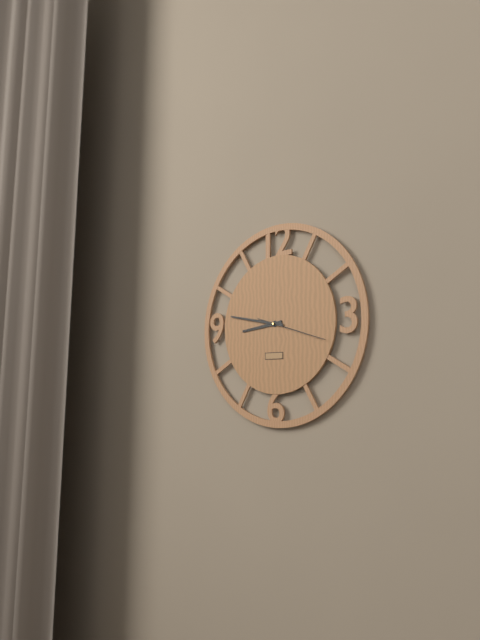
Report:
8,47,18
